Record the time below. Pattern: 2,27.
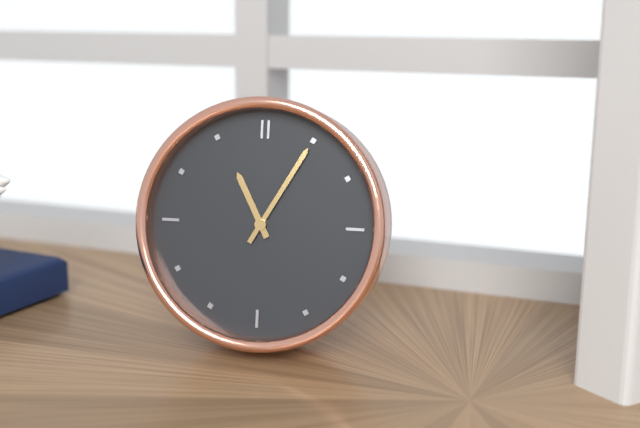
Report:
11,05
